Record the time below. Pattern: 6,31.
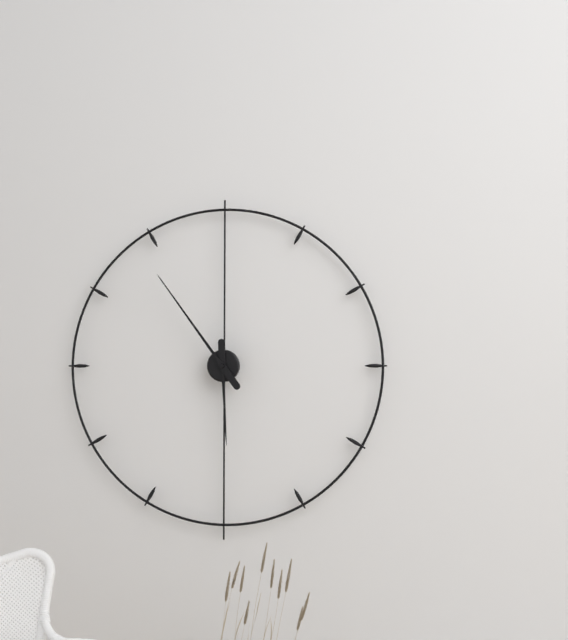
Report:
5,54
